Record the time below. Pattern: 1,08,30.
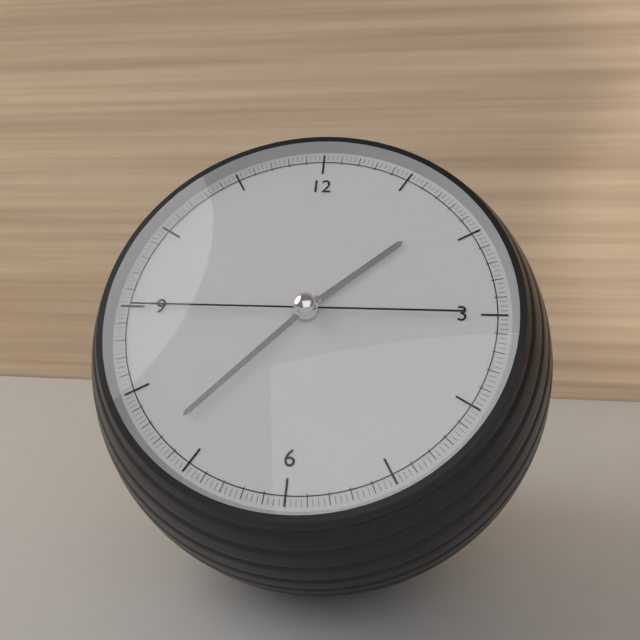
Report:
1,37,45
